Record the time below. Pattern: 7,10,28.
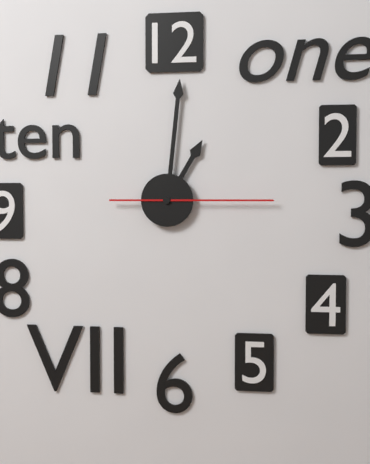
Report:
1,01,15
